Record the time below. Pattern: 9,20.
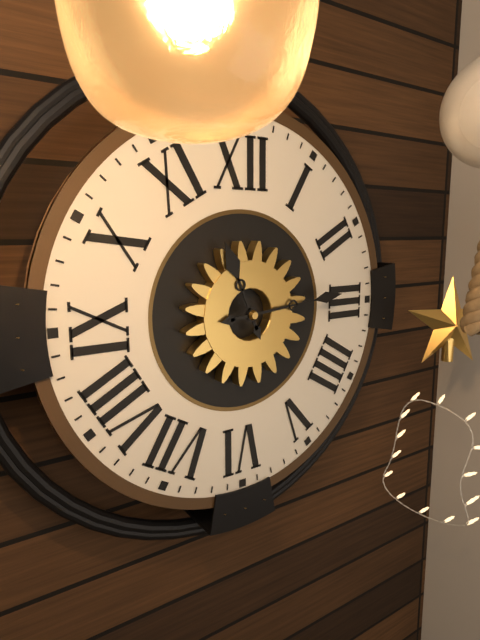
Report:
11,14
